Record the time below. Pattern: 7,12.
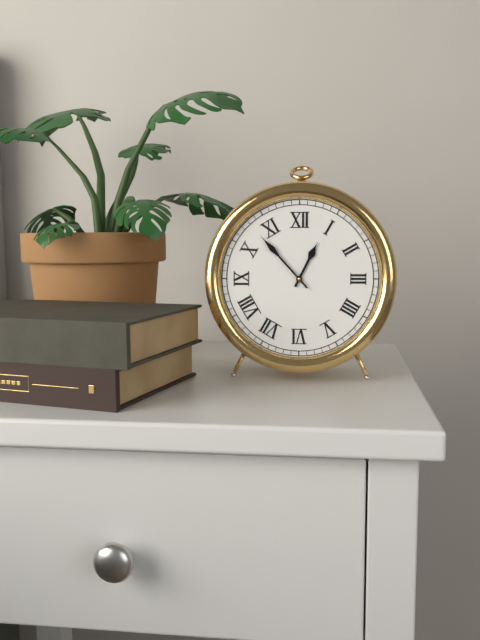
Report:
12,53
